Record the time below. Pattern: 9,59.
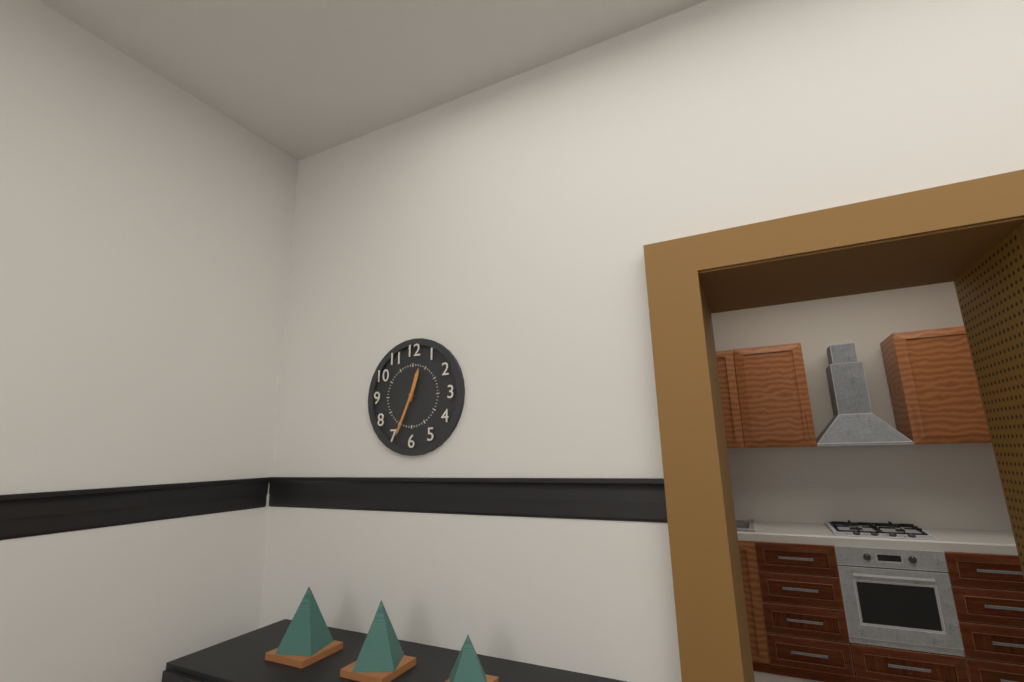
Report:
12,34
